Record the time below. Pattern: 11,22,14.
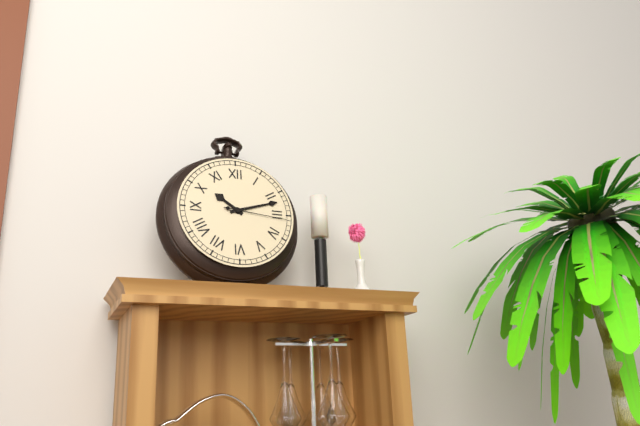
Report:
10,12,16
